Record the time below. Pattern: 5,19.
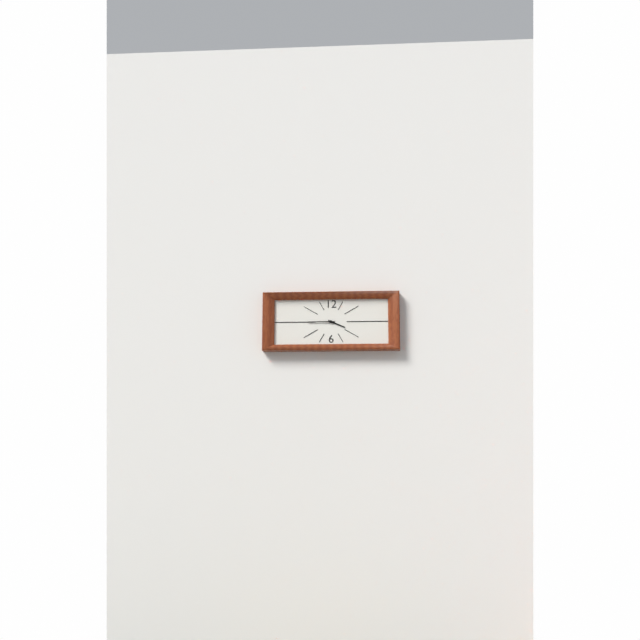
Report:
3,45
